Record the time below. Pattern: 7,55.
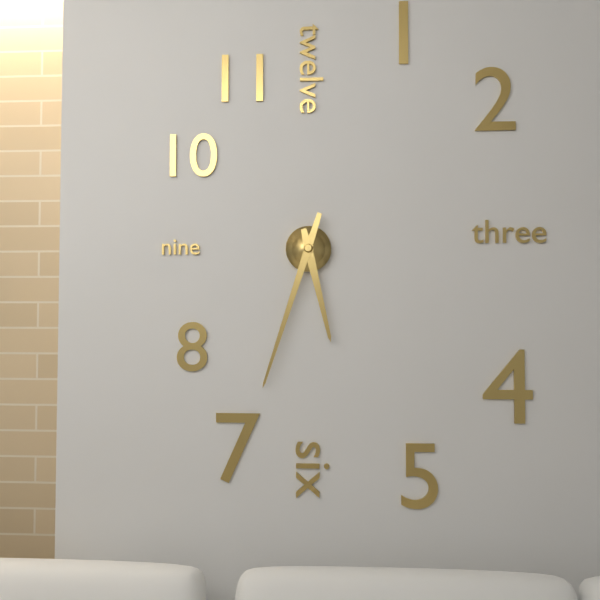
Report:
5,33
